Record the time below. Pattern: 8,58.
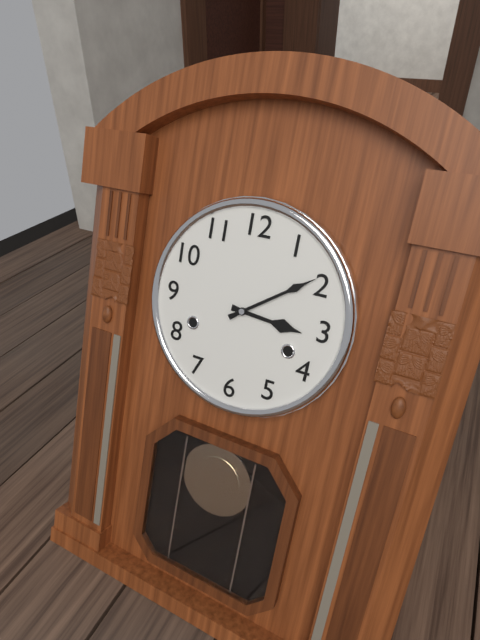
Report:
3,09
